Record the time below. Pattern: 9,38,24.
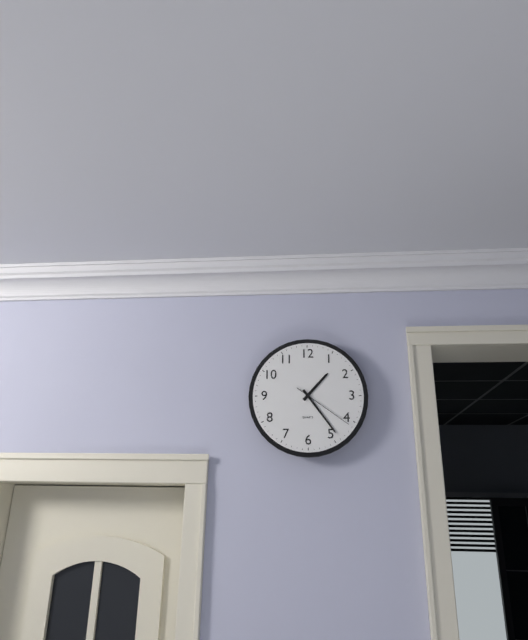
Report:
1,24,21
